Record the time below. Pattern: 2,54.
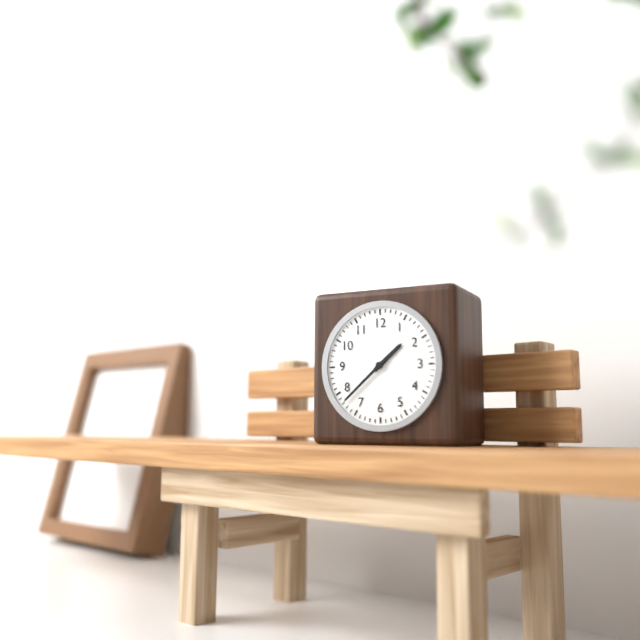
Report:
1,38
